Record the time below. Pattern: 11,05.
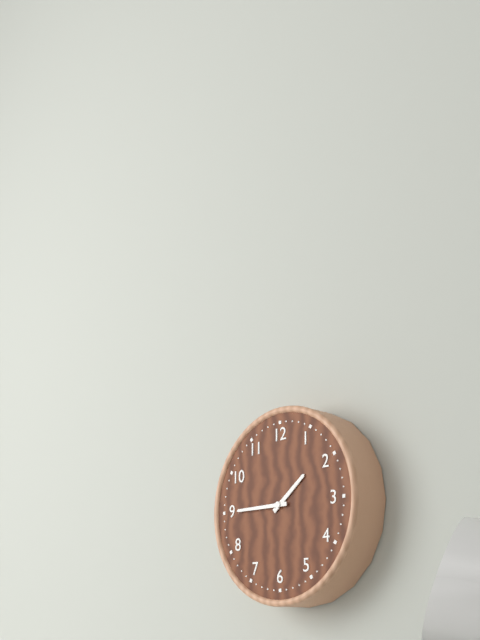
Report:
1,45
